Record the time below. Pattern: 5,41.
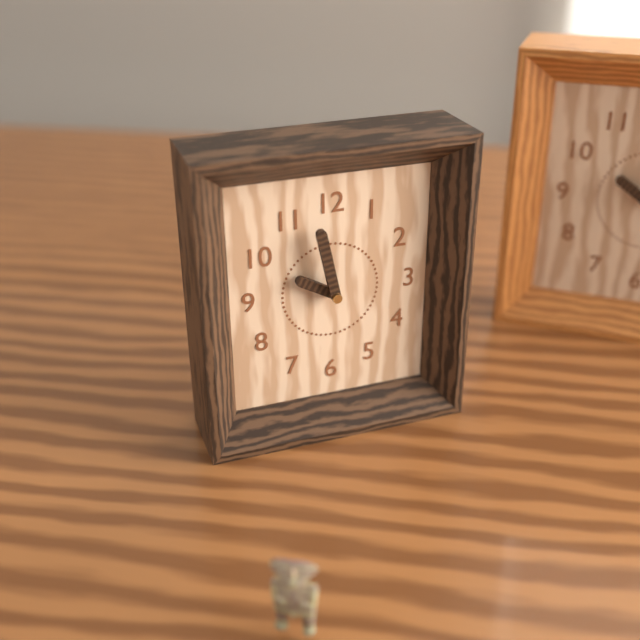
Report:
9,58
